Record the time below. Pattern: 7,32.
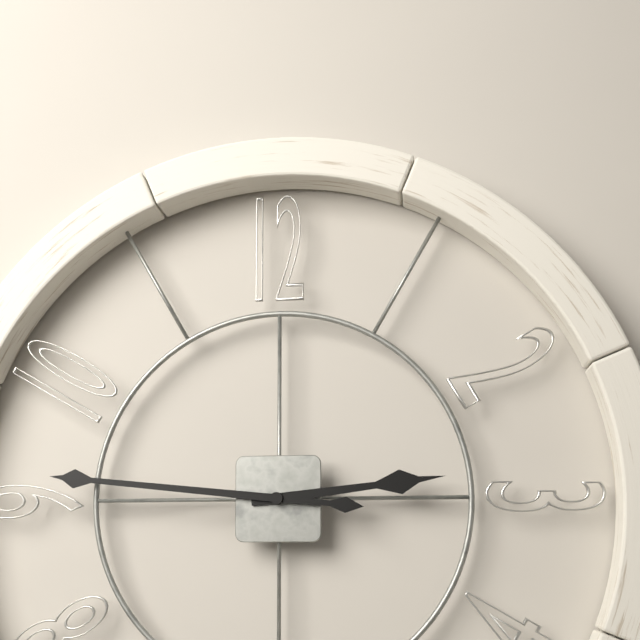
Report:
2,46
